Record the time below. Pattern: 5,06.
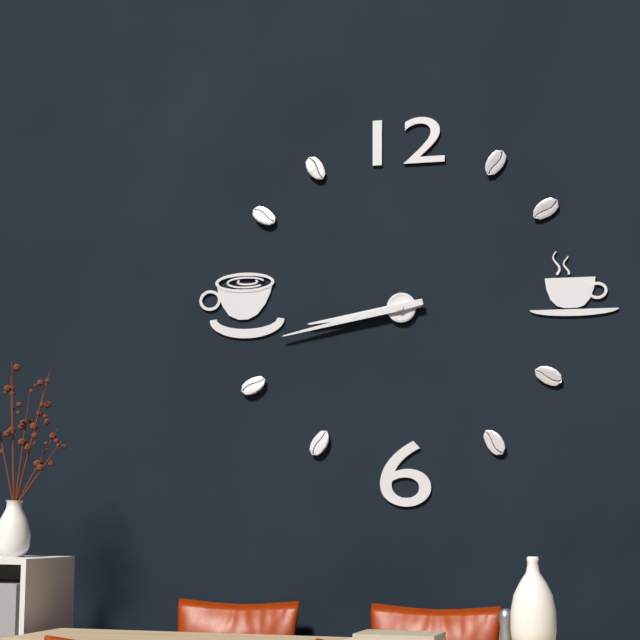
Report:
8,43
